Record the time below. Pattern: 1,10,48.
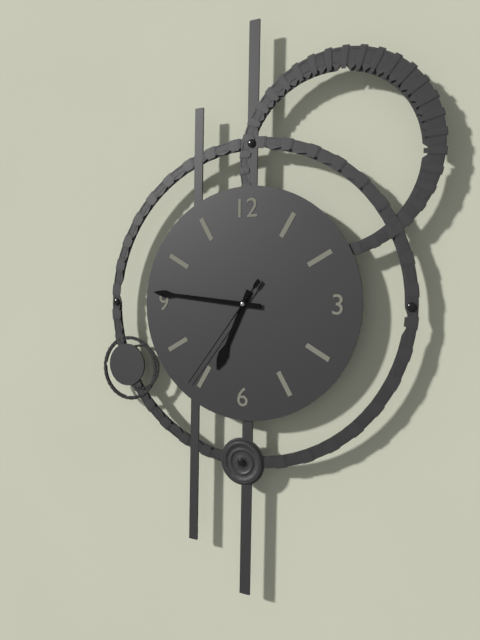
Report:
6,46,36
